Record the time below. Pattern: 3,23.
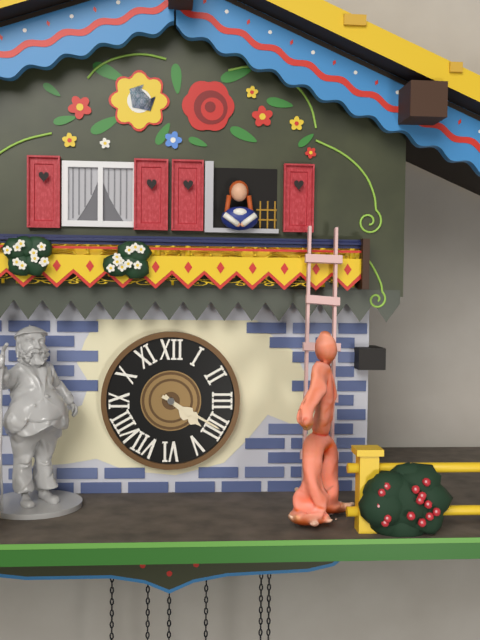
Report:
4,20
